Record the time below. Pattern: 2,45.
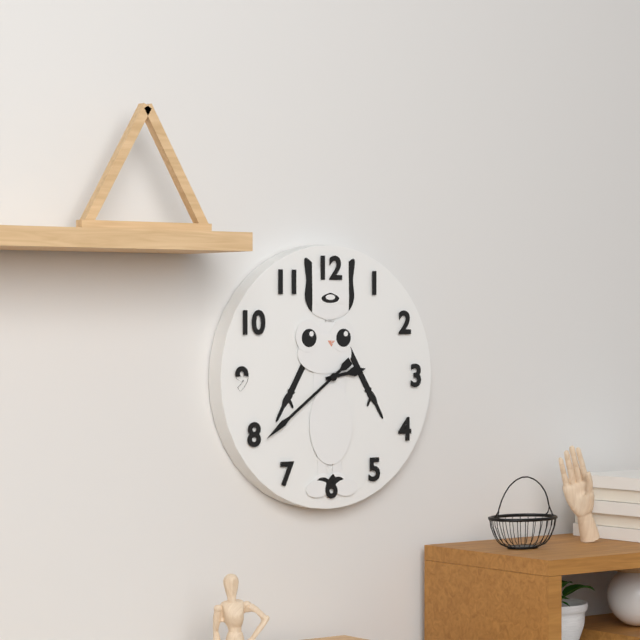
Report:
2,39
